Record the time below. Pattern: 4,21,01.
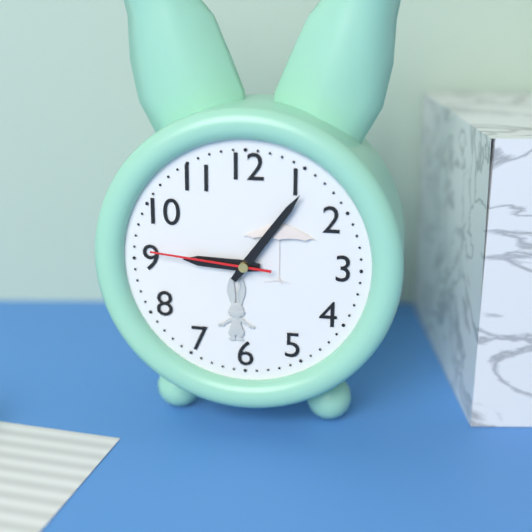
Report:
9,06,46
